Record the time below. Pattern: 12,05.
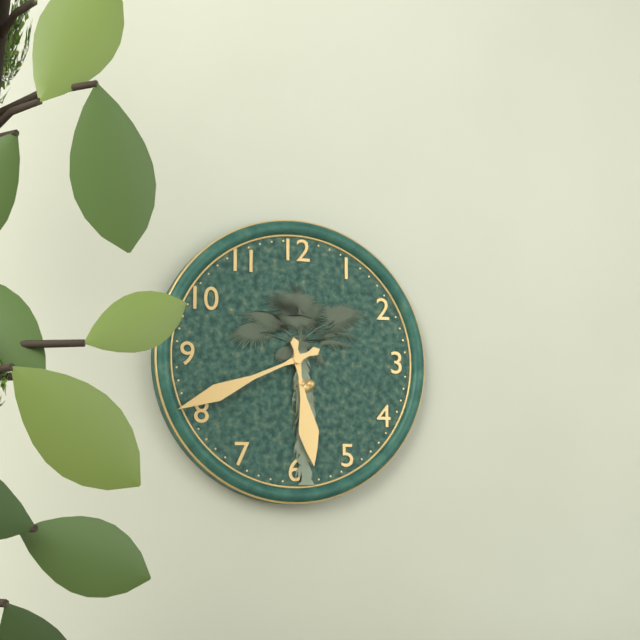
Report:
5,41
